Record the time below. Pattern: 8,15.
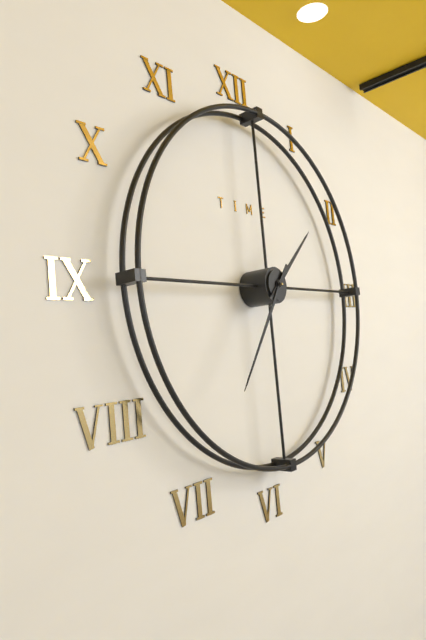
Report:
1,36
